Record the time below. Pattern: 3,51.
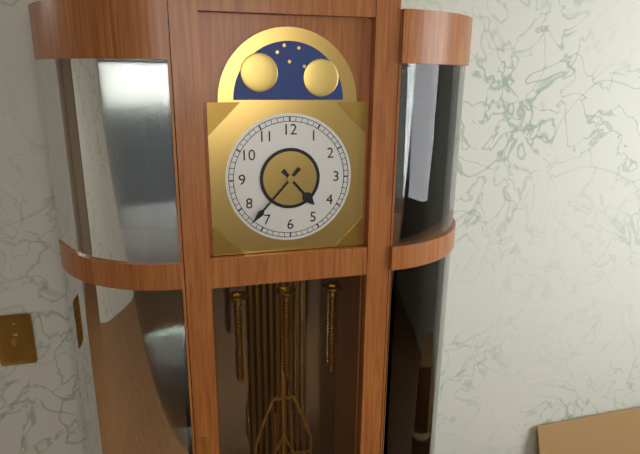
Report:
4,37
